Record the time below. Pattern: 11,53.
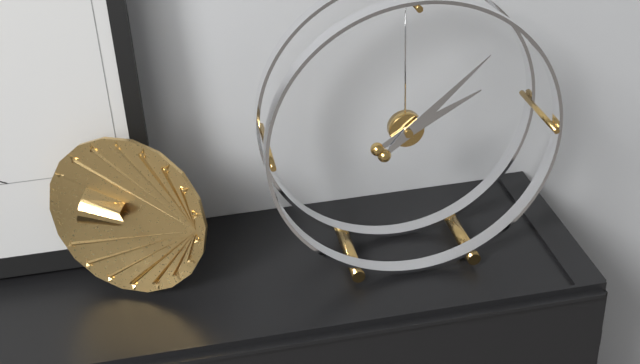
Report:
2,08
